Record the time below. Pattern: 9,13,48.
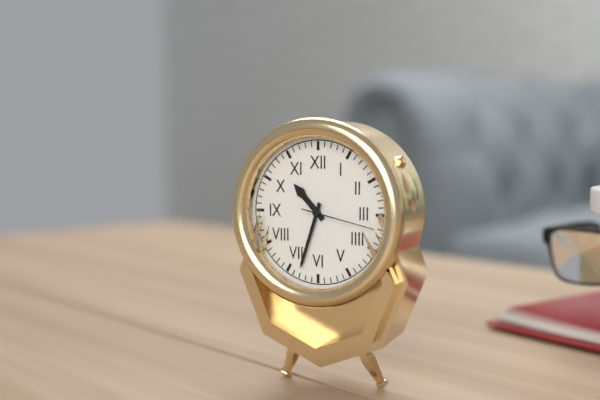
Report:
10,33,17
